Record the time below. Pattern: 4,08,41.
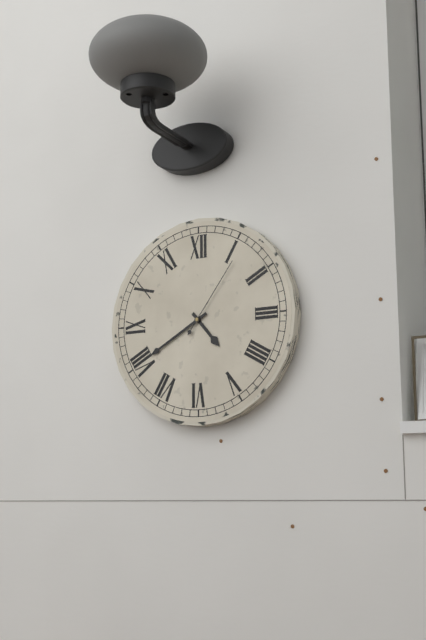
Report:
4,40,06
